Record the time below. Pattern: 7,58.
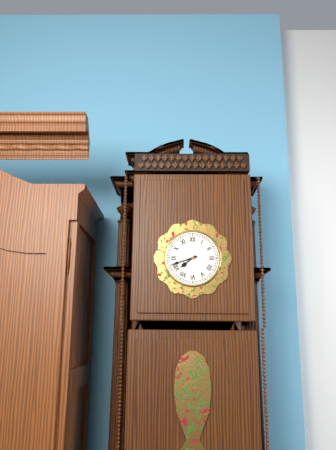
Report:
7,42
